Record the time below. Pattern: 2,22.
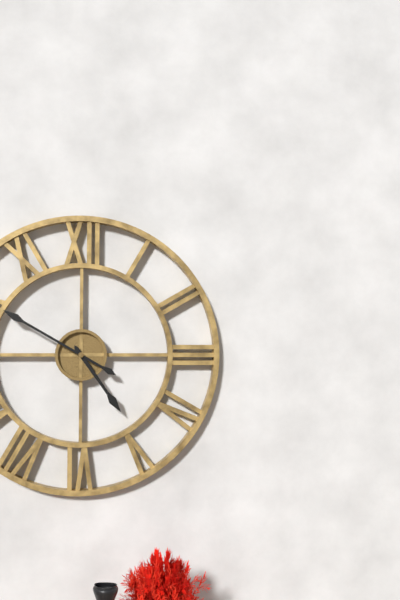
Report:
4,50
